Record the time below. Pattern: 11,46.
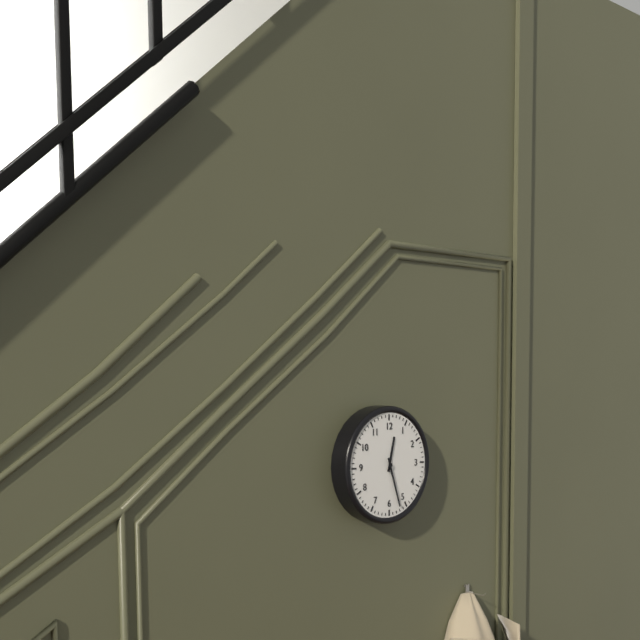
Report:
12,27
